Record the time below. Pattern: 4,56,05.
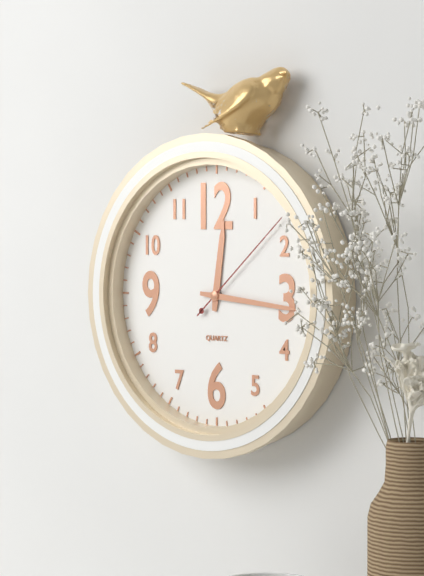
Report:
12,16,08
